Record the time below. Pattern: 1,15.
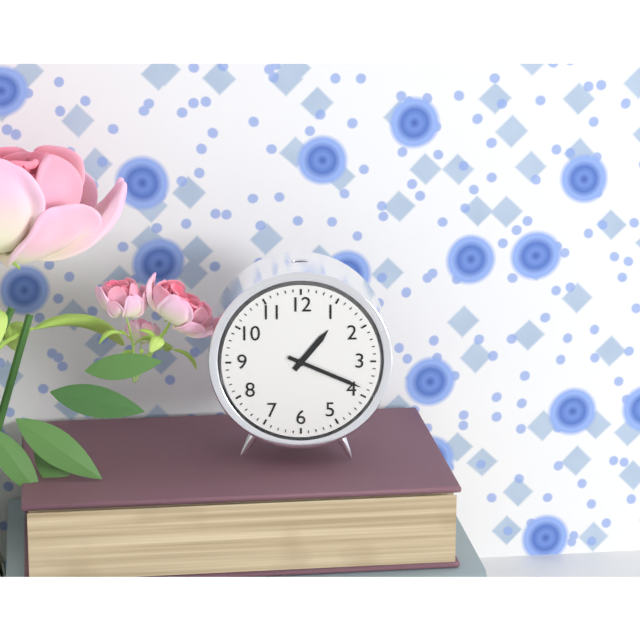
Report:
1,19
